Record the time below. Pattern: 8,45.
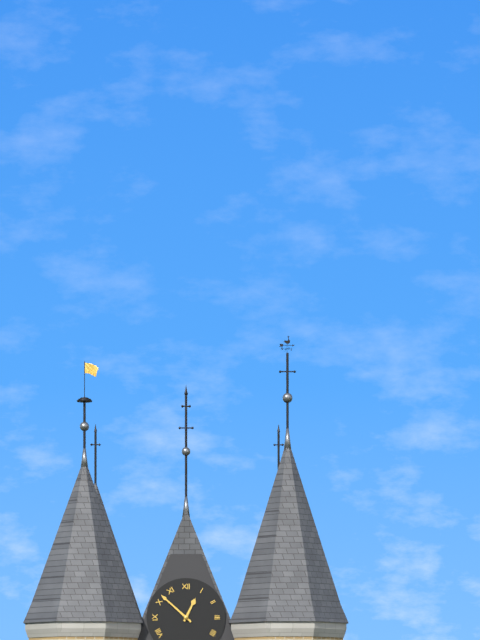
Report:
12,52
